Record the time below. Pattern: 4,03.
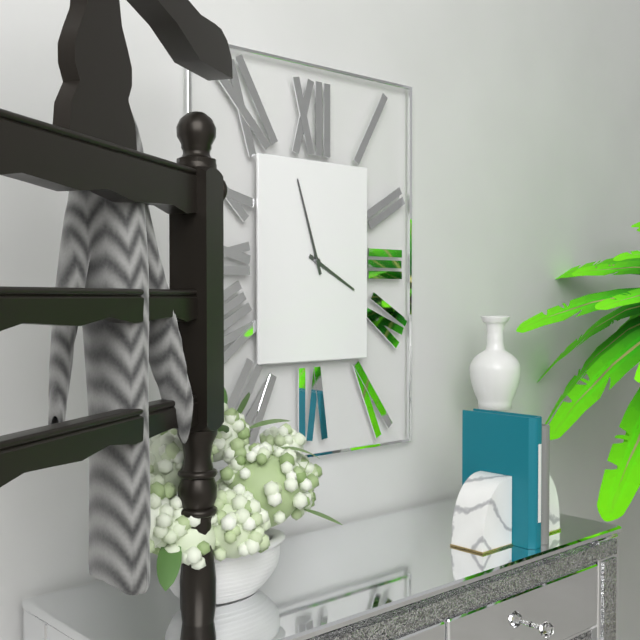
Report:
3,57
